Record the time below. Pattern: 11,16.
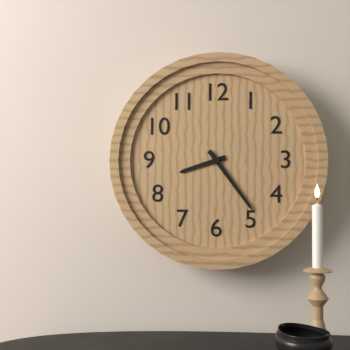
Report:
8,24
